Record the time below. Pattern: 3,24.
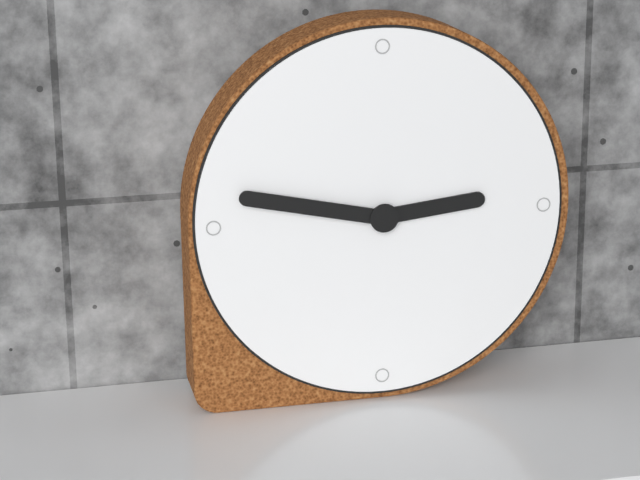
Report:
2,47
